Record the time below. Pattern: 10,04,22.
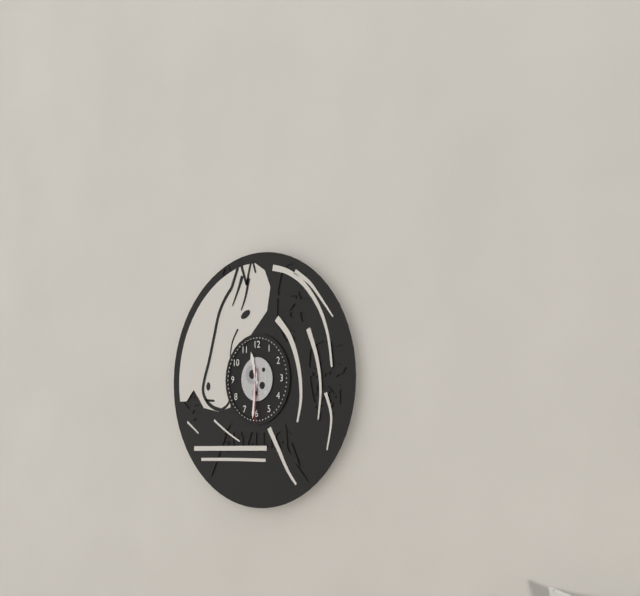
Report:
11,31,30
